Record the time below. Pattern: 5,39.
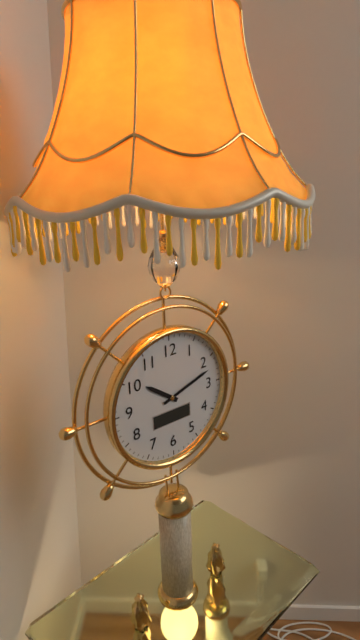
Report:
10,12
